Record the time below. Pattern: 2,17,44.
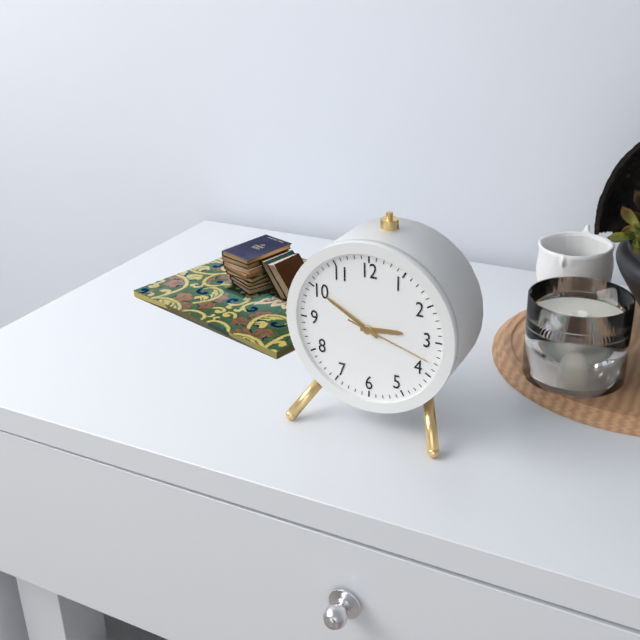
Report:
2,50,18
